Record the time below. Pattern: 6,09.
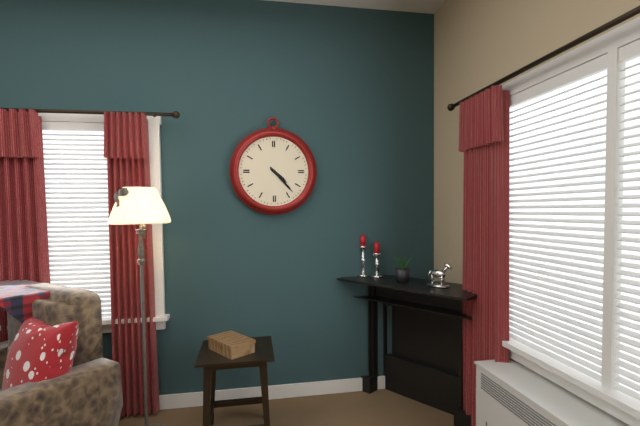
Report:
4,23
